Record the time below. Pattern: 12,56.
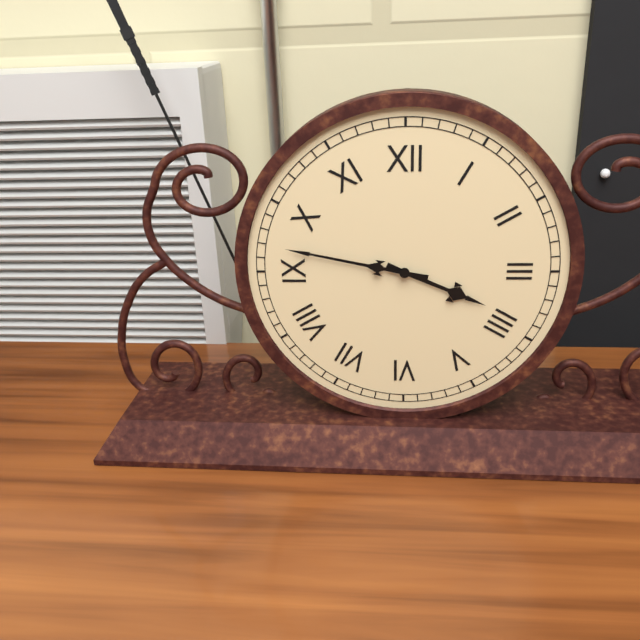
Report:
3,47
